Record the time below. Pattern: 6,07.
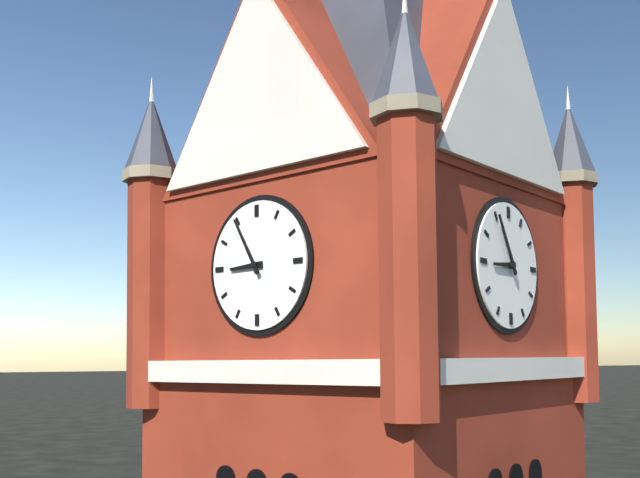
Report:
8,55
